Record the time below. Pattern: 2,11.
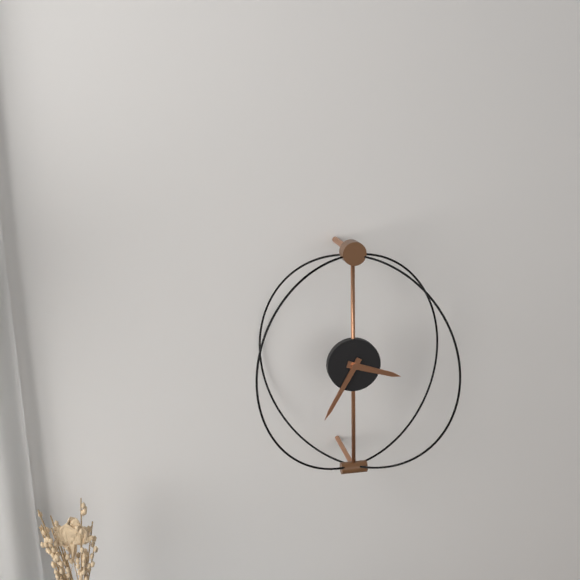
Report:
3,35
